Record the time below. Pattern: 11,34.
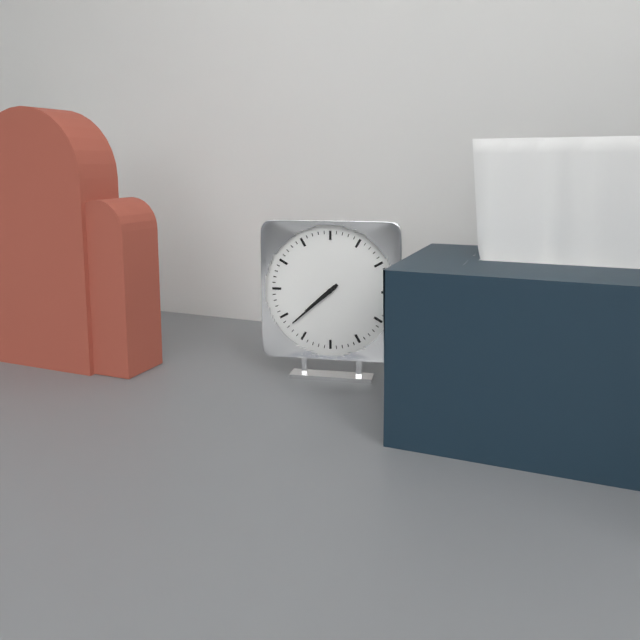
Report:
7,38
